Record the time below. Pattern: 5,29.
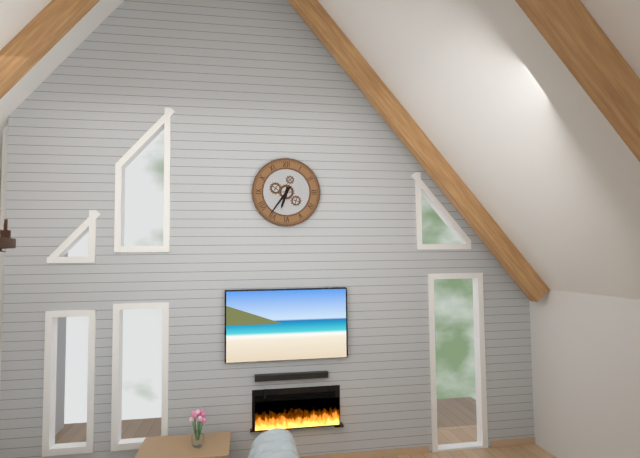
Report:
6,36
